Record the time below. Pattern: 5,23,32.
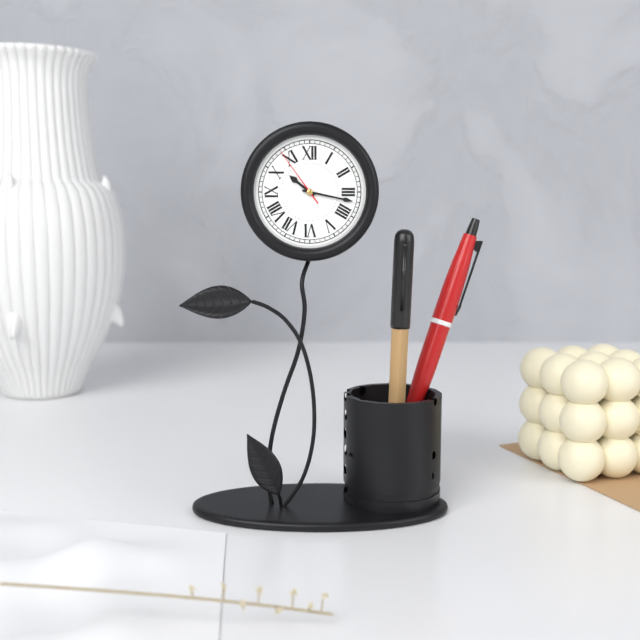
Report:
10,17,54
